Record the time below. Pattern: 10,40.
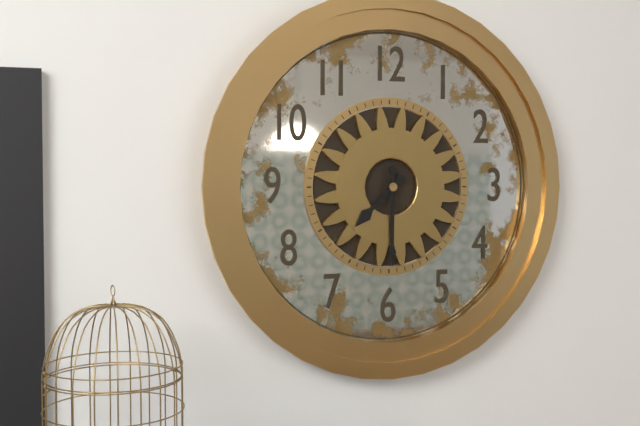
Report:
7,30
